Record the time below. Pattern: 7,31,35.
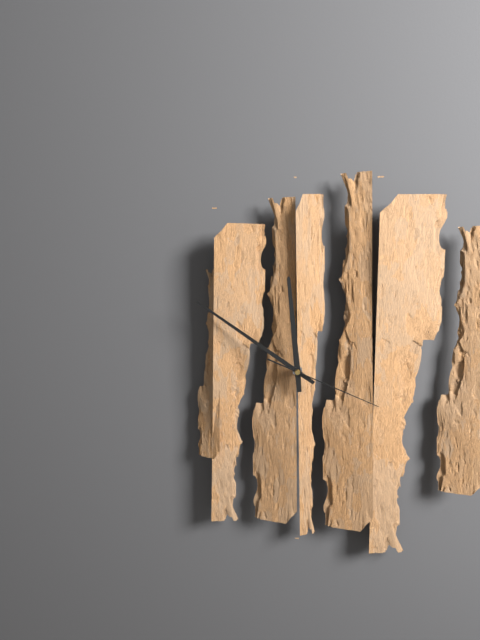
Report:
11,51,19
